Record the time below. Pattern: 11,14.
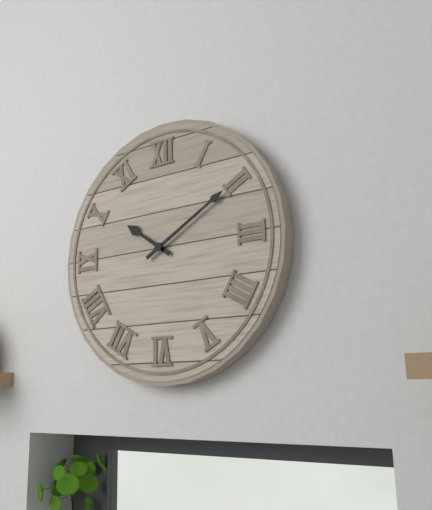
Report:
10,10
